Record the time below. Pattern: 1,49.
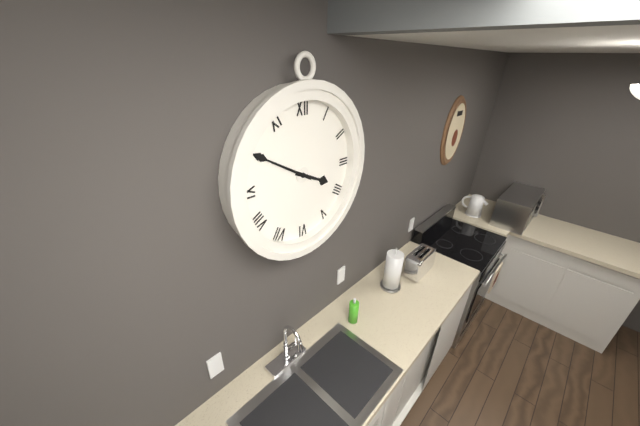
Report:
3,50
